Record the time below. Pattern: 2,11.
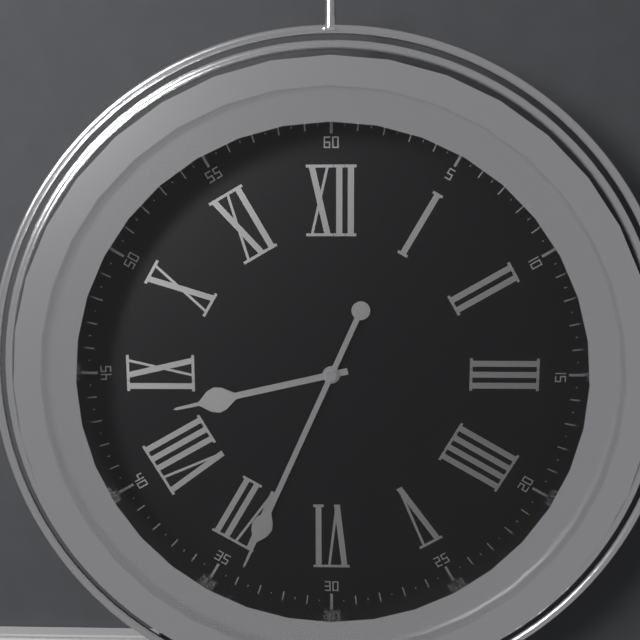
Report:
8,34
